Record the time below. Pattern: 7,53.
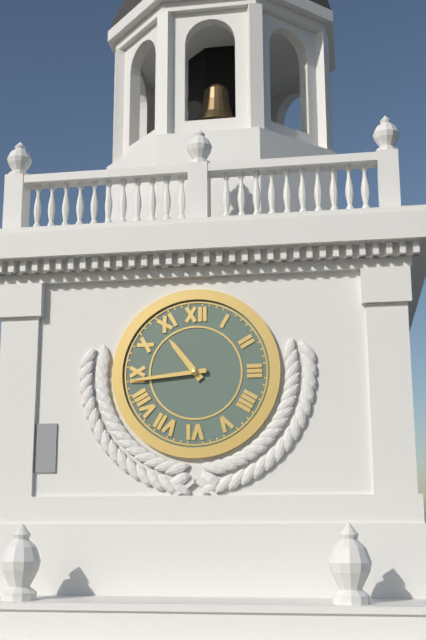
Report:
10,44
